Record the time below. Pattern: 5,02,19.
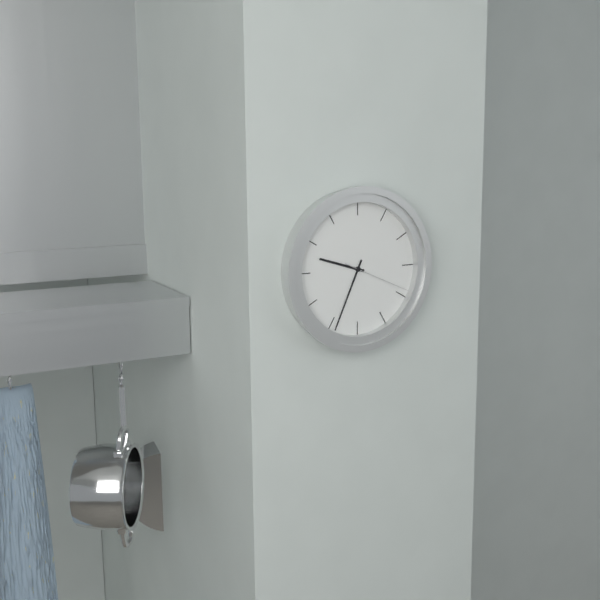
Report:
9,34,19
